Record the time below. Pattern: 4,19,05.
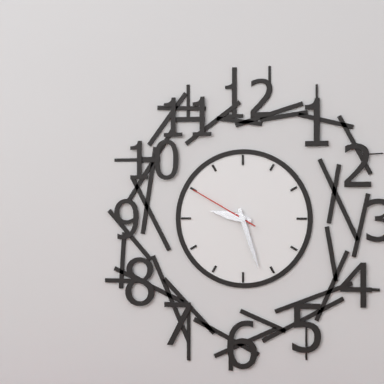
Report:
9,27,50
